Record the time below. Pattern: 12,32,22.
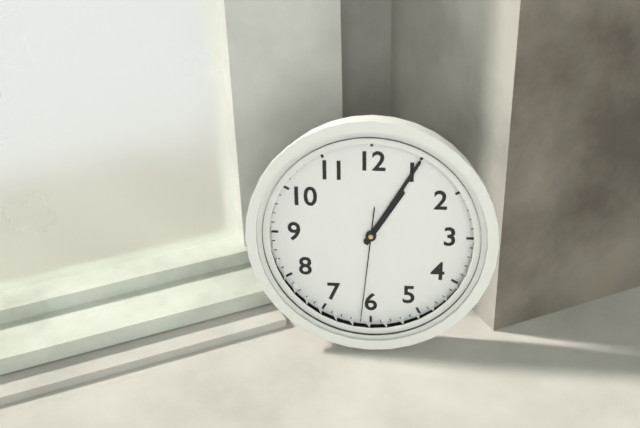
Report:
1,05,31
